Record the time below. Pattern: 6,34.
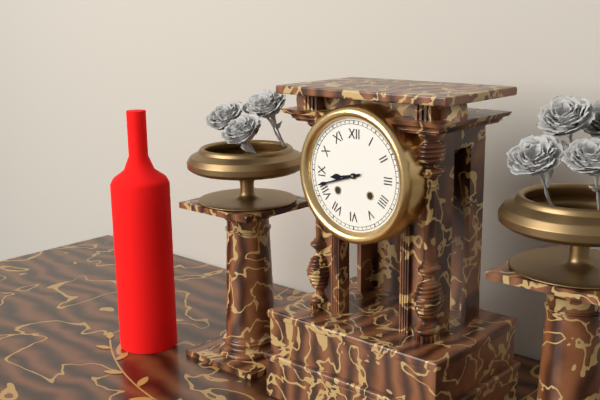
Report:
8,42
